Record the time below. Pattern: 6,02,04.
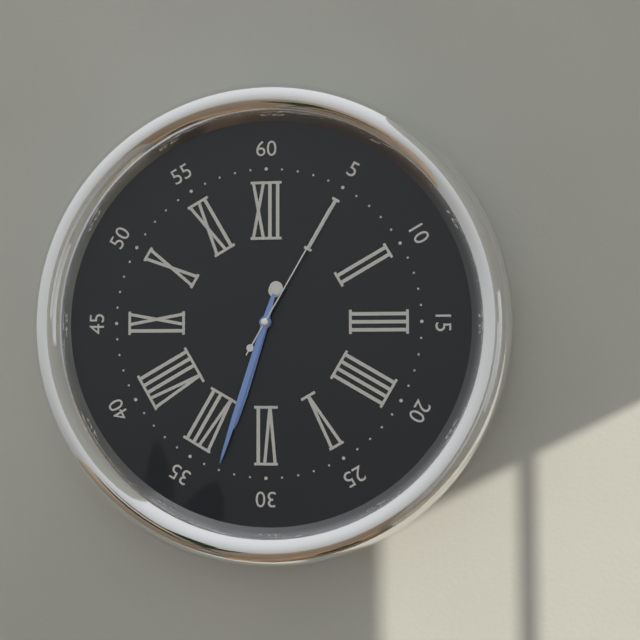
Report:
6,33,05
